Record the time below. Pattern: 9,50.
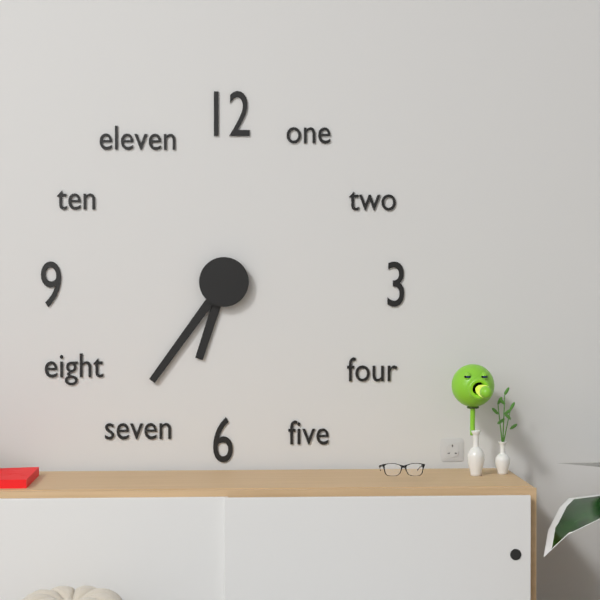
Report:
6,36
